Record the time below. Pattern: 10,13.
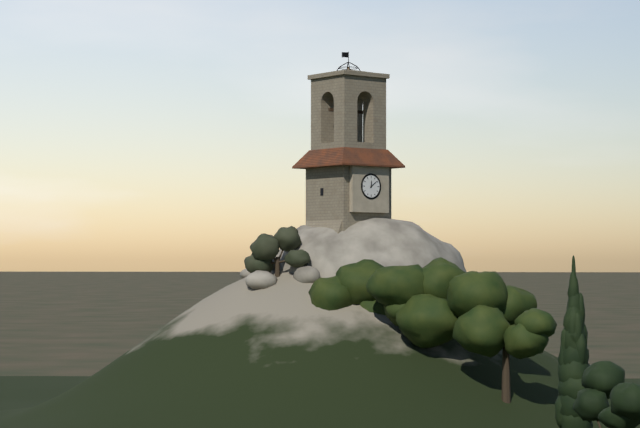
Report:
12,09
